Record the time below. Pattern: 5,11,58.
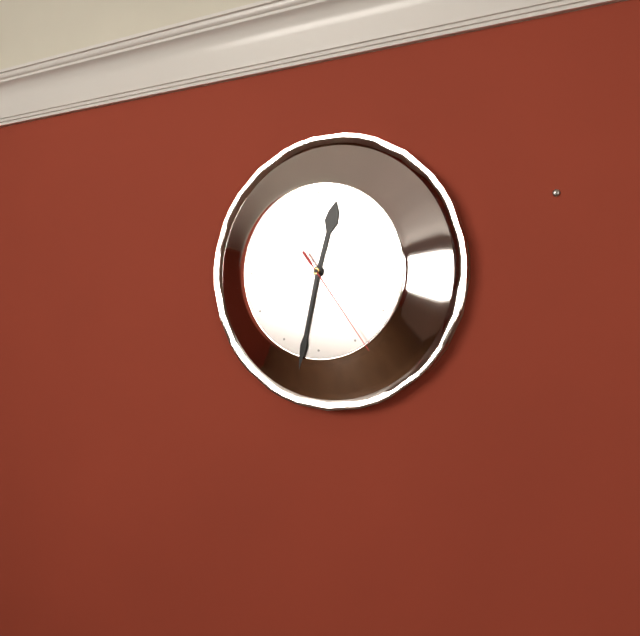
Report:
12,32,24
